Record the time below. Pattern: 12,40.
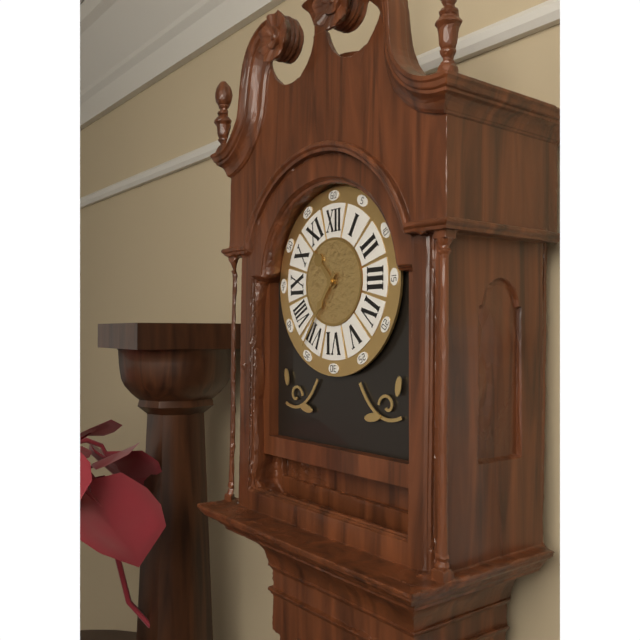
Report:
10,36
